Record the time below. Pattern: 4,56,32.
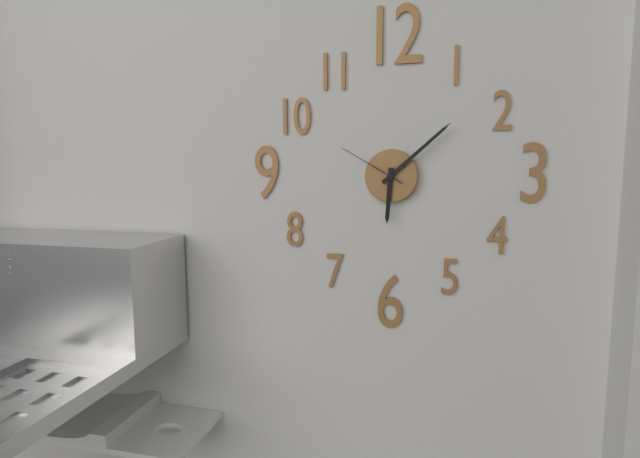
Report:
6,08,50
